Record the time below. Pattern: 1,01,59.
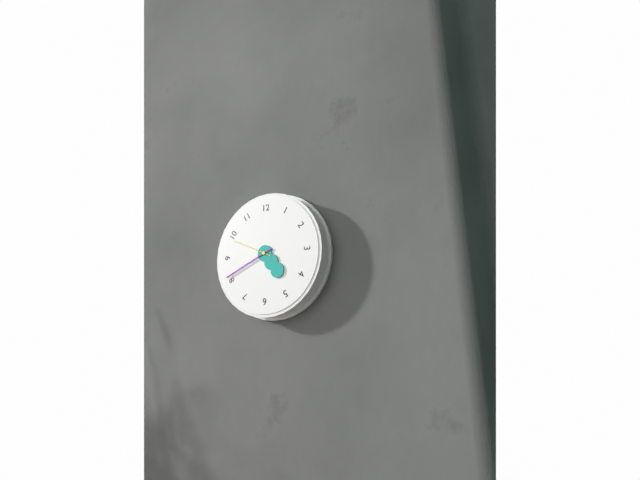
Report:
4,41,49
